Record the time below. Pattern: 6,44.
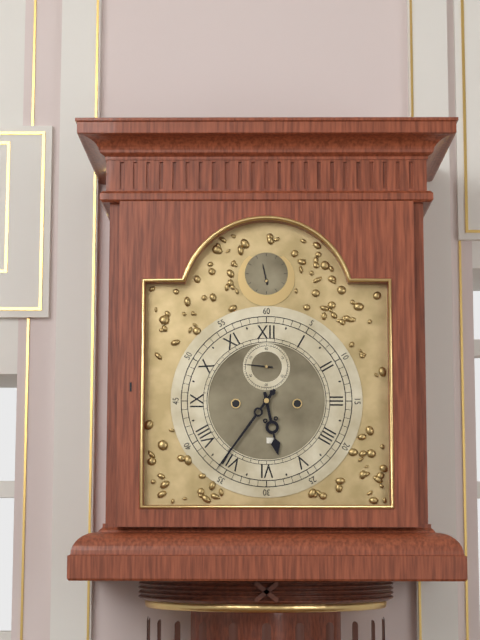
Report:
5,36
